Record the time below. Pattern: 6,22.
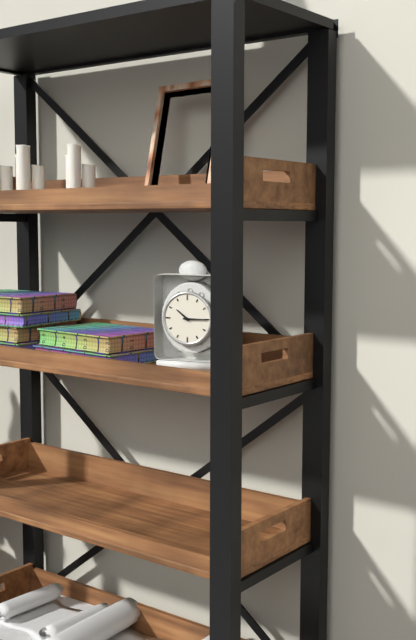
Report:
10,15
